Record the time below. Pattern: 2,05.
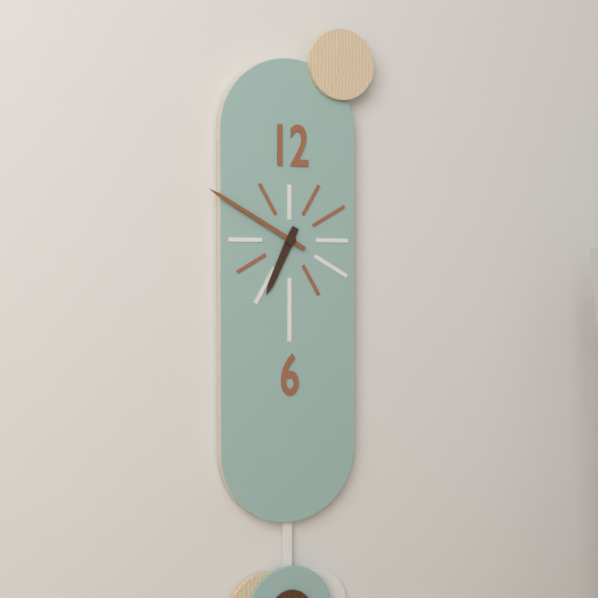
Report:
6,50
